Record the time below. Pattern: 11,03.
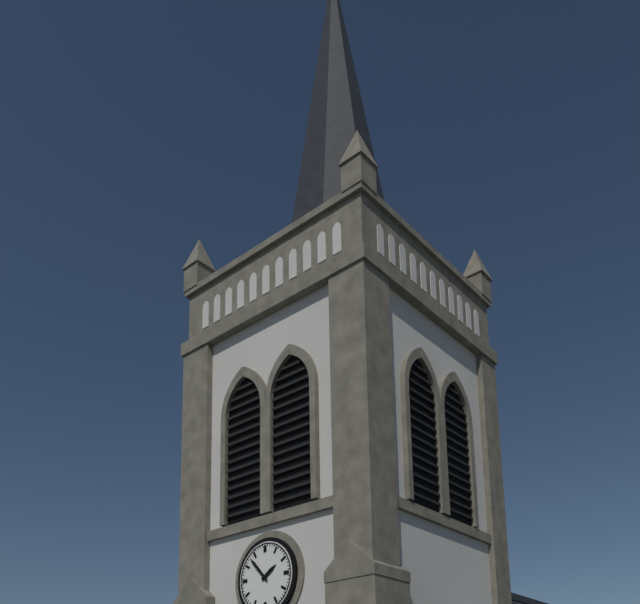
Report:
1,53
